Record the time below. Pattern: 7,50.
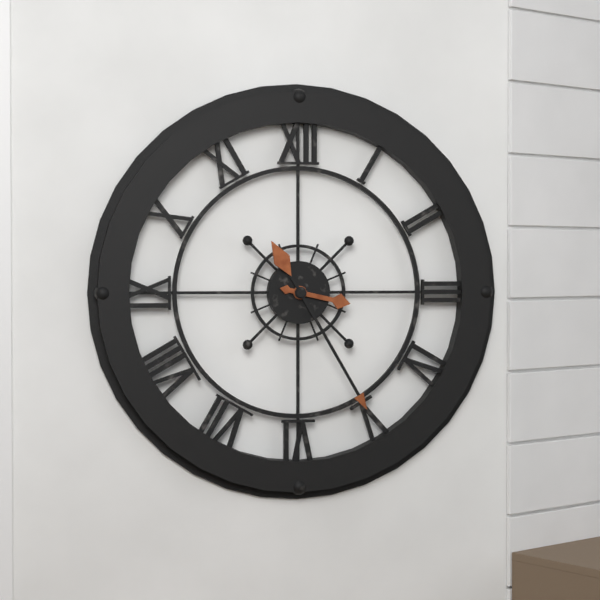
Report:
3,25
